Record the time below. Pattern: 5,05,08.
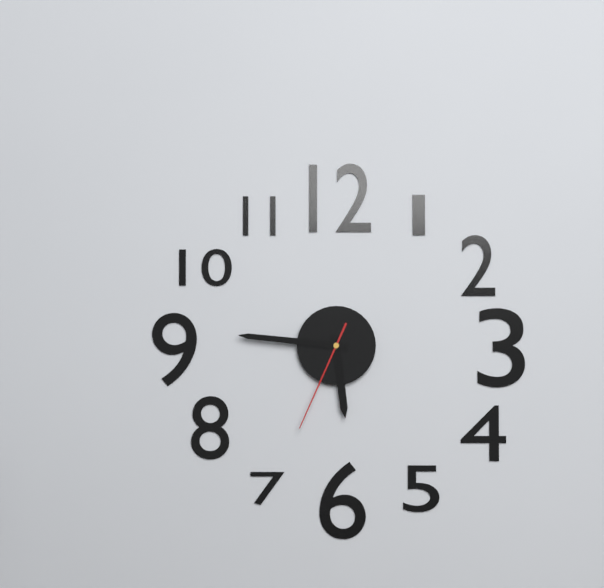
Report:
5,46,34
